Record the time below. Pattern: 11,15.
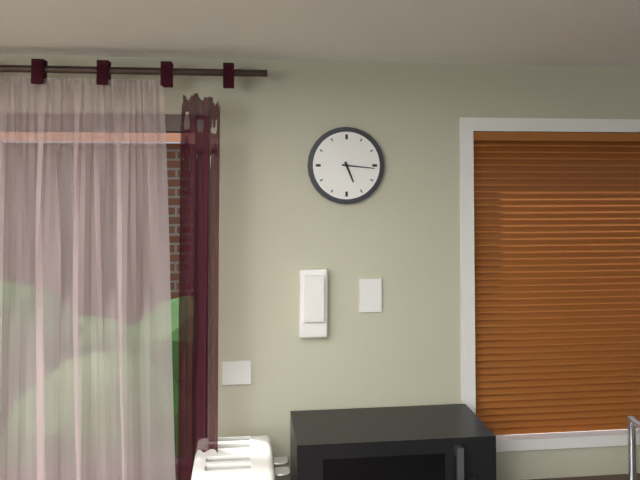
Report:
5,16
